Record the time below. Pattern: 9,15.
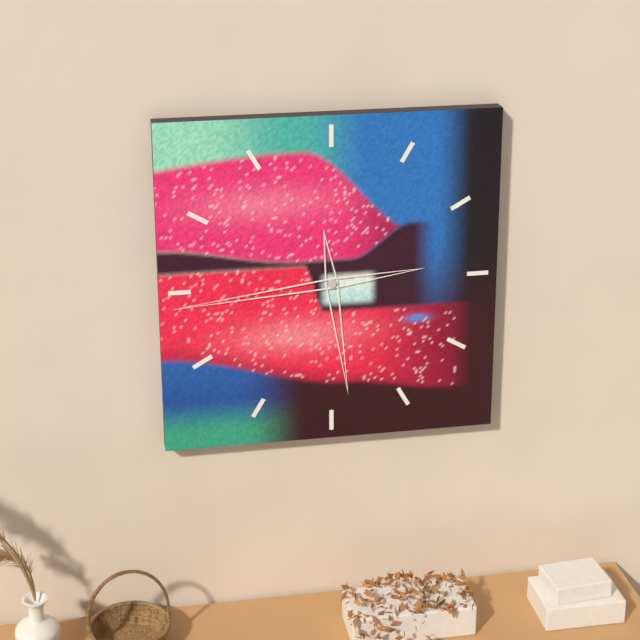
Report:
5,44
